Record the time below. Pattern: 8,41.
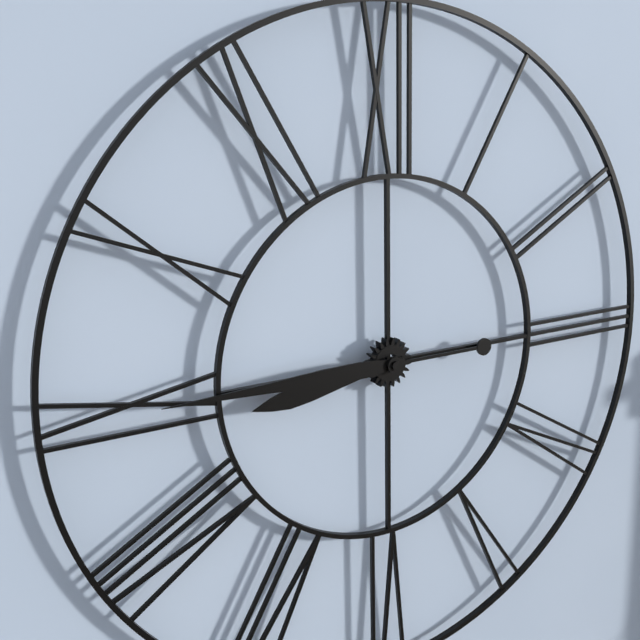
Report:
8,45
